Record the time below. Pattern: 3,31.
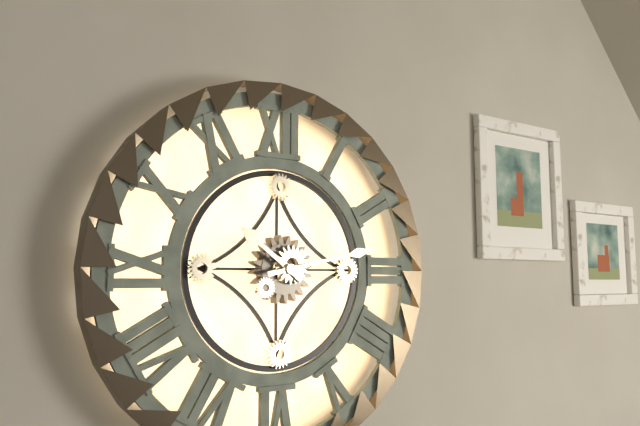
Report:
10,13
